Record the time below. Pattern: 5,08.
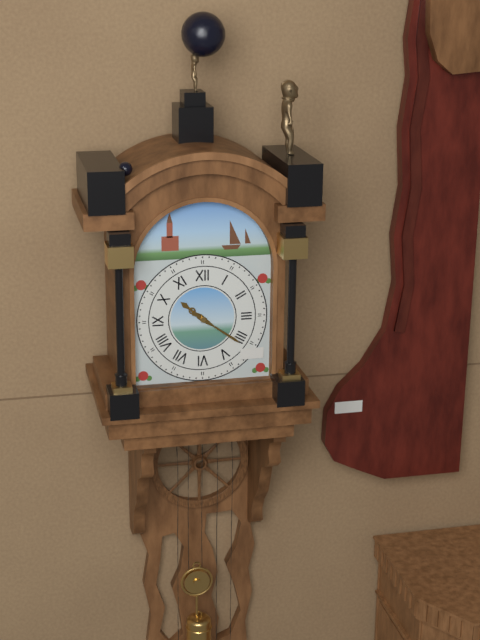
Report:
10,21
